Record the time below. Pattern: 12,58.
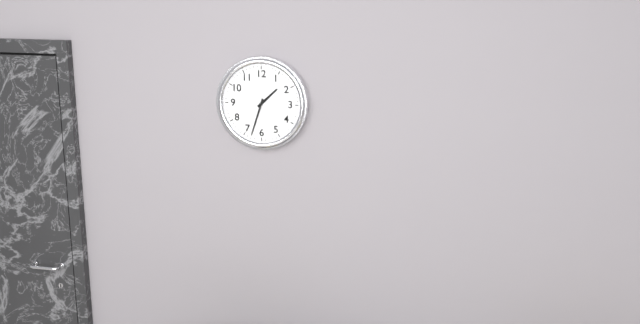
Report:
1,33
